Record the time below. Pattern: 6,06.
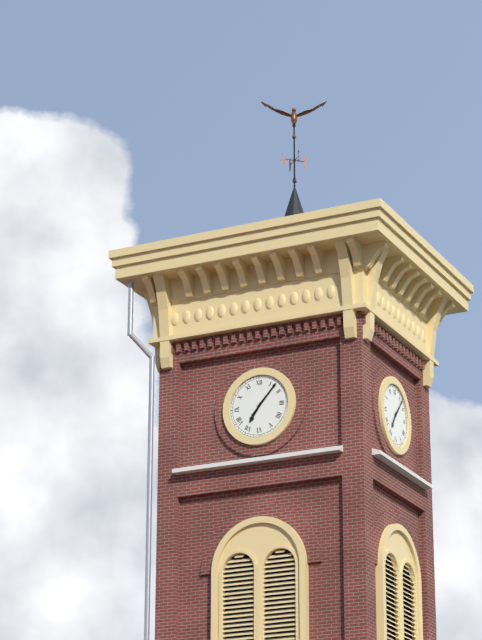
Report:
7,07
